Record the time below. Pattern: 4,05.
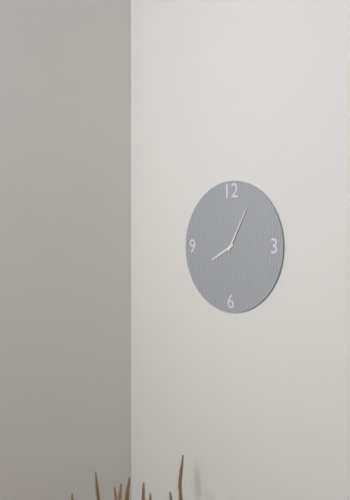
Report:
8,05
